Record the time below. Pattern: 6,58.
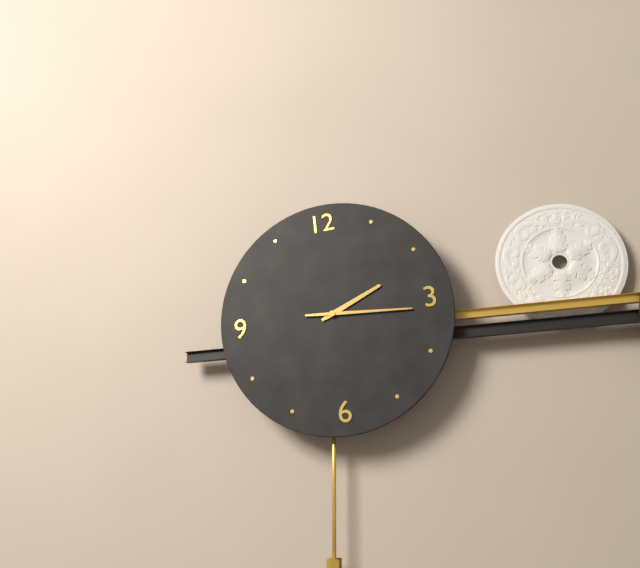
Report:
2,16
